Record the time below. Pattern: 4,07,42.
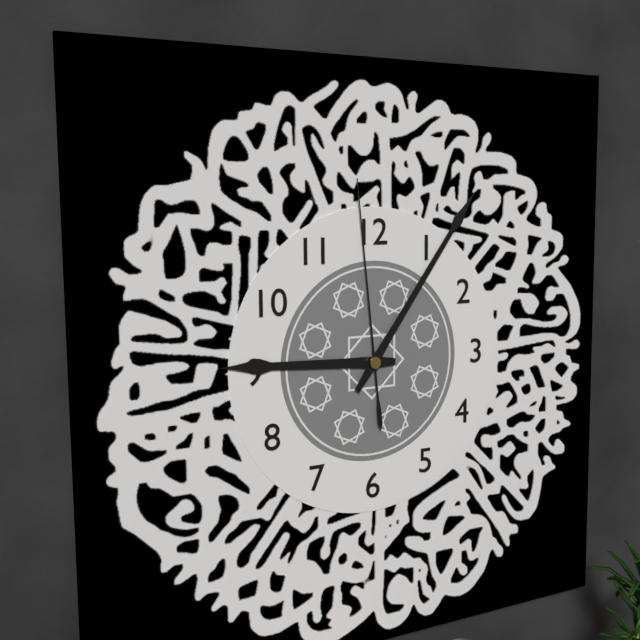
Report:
9,06,59
